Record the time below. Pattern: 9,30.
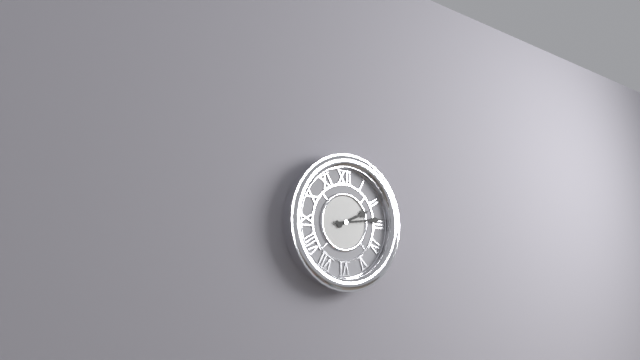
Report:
2,14
